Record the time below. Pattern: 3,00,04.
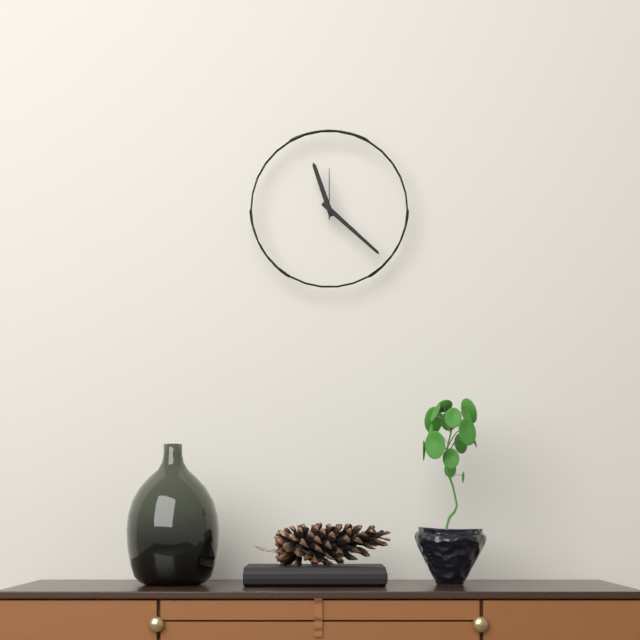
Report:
11,22,00
